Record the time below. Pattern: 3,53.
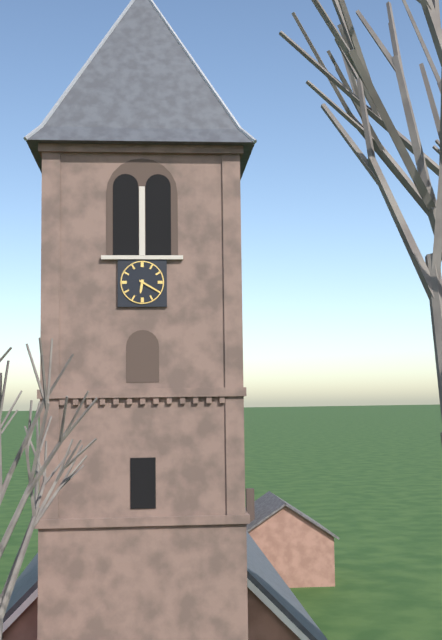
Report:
6,20
